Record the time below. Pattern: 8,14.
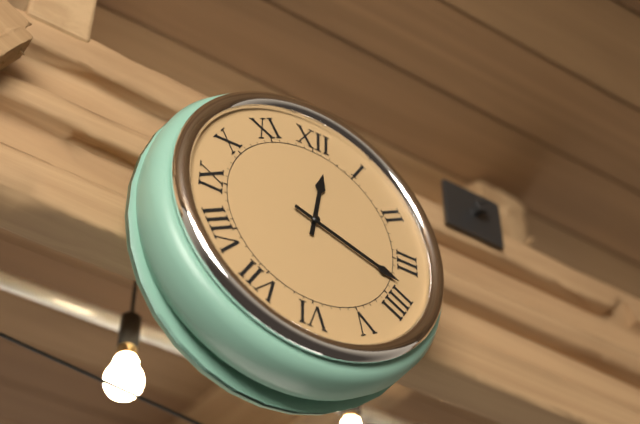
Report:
12,18
